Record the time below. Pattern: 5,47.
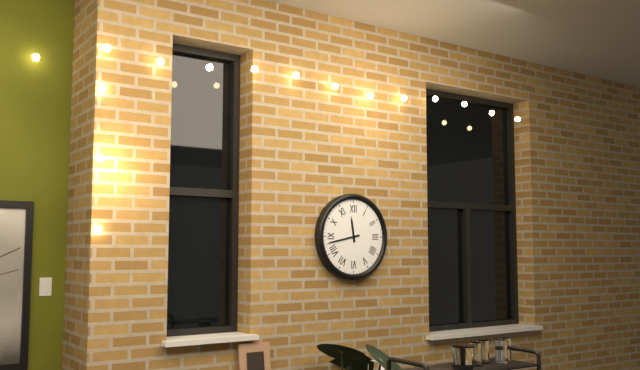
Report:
11,43
